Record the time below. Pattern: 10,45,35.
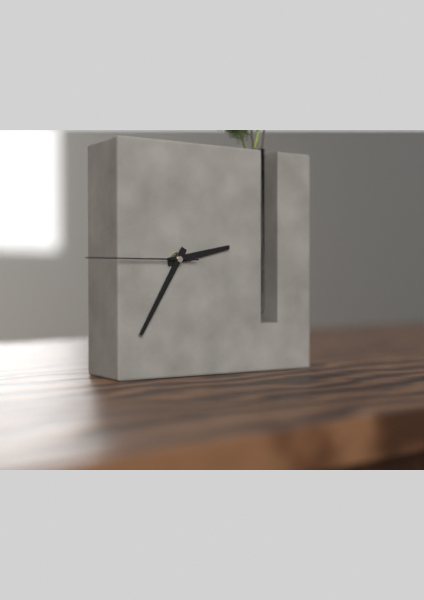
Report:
2,35,45
